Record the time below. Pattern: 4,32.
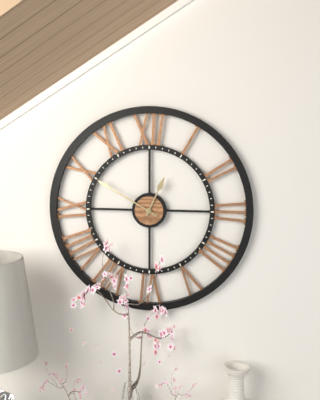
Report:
12,50
